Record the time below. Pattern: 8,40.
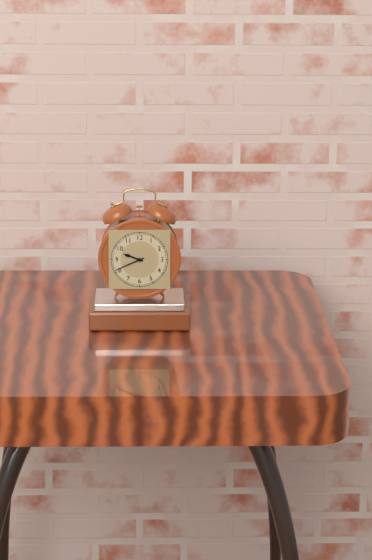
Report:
9,41
